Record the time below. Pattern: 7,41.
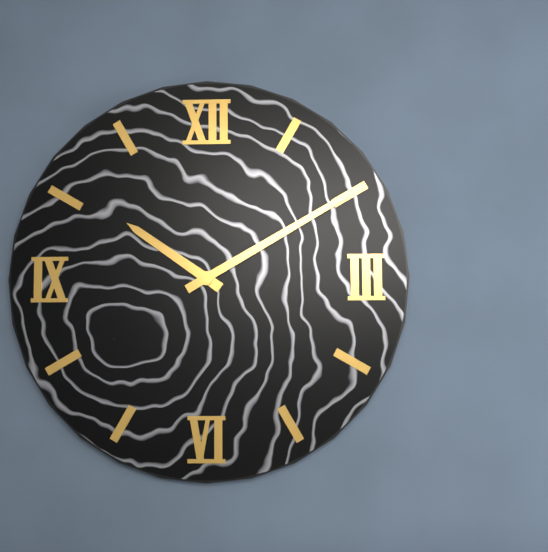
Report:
10,10
